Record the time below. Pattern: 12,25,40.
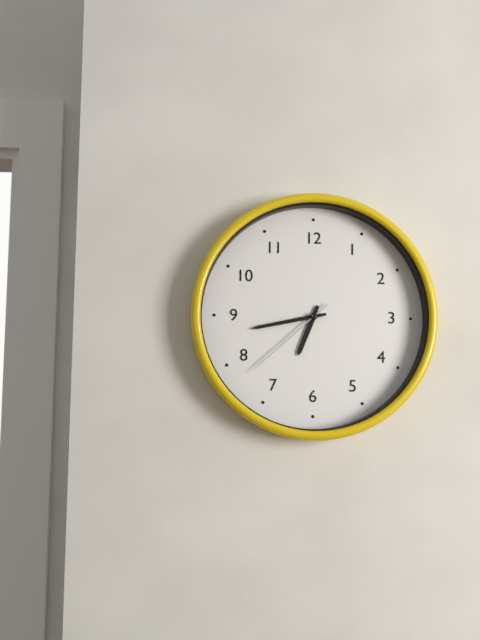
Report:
6,43,38
